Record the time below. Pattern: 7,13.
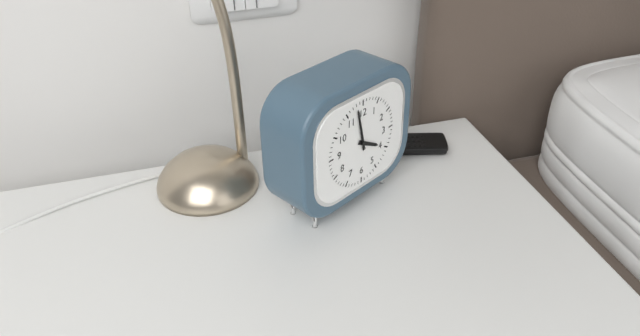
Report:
3,58
